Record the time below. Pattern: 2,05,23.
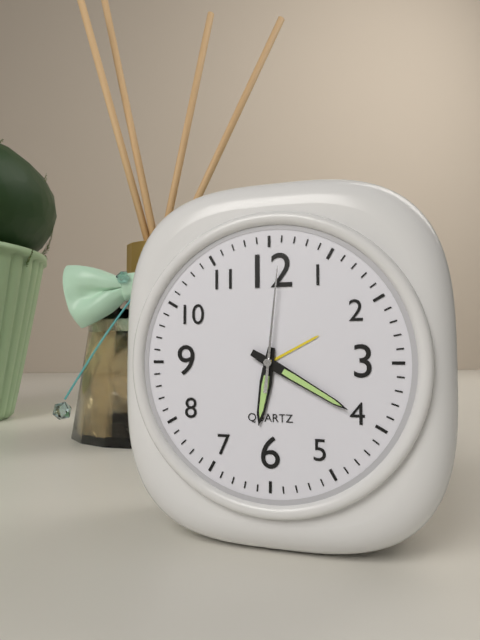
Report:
6,20,01
